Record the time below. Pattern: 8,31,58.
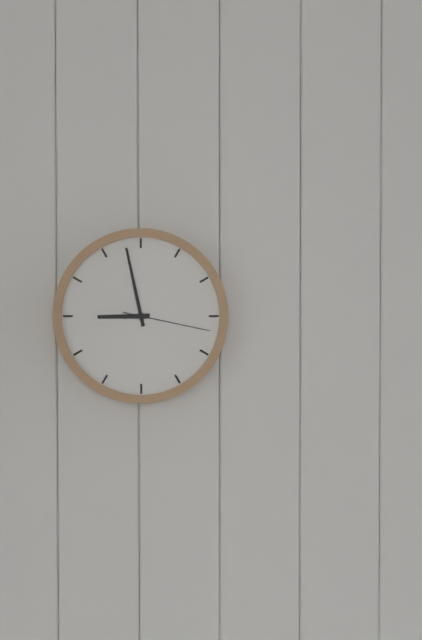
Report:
8,58,17
